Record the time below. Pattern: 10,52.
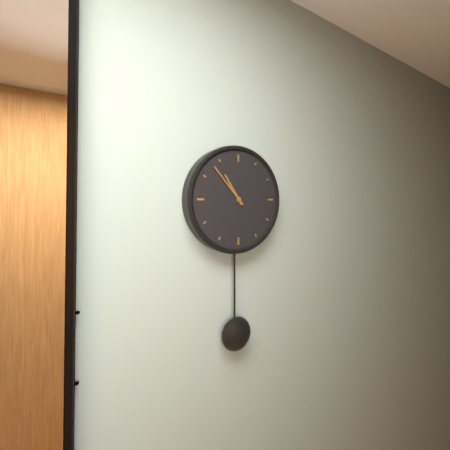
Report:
10,53
